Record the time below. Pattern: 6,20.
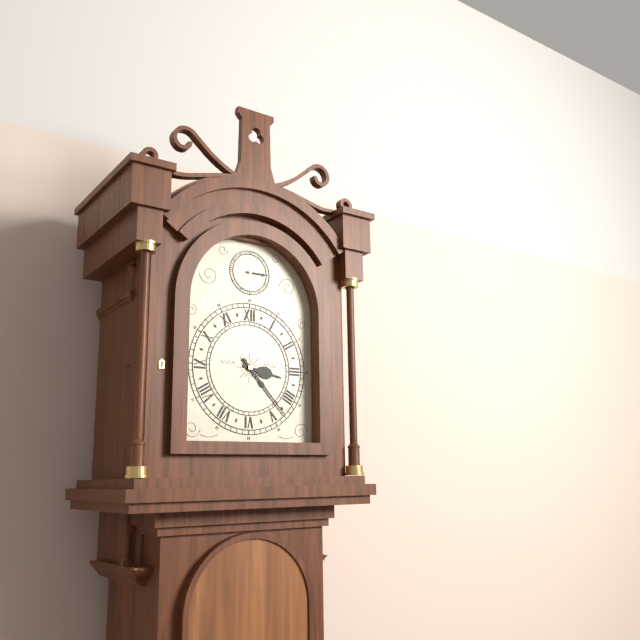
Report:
3,23
